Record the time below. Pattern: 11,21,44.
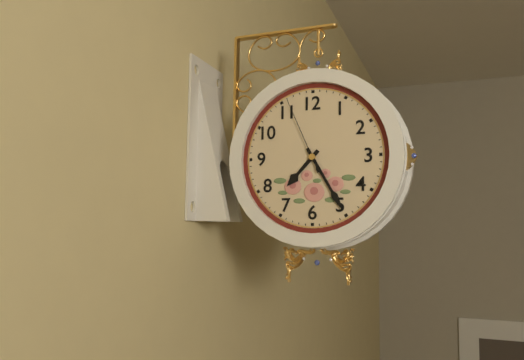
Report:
7,25,56
